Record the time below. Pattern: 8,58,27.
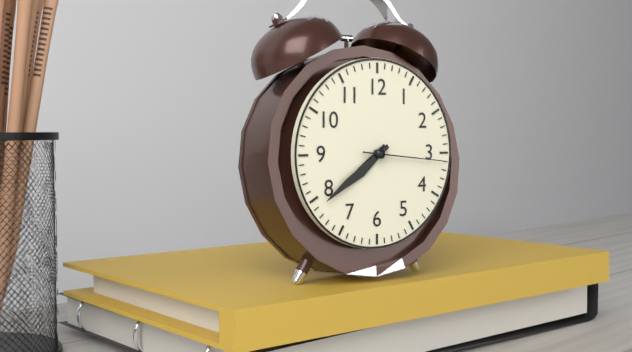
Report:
7,39,16
